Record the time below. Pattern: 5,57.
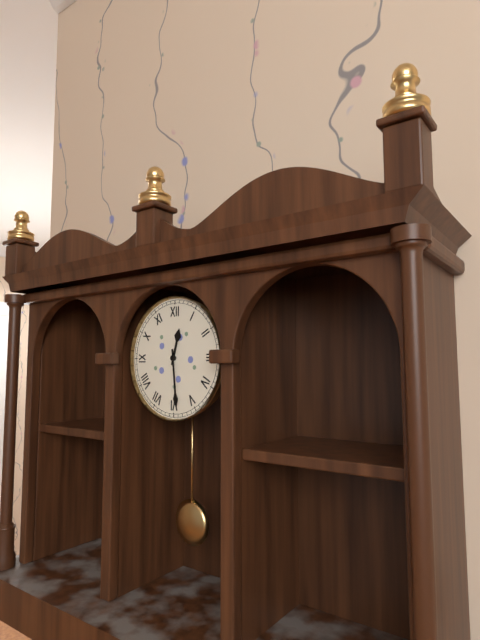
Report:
12,29
